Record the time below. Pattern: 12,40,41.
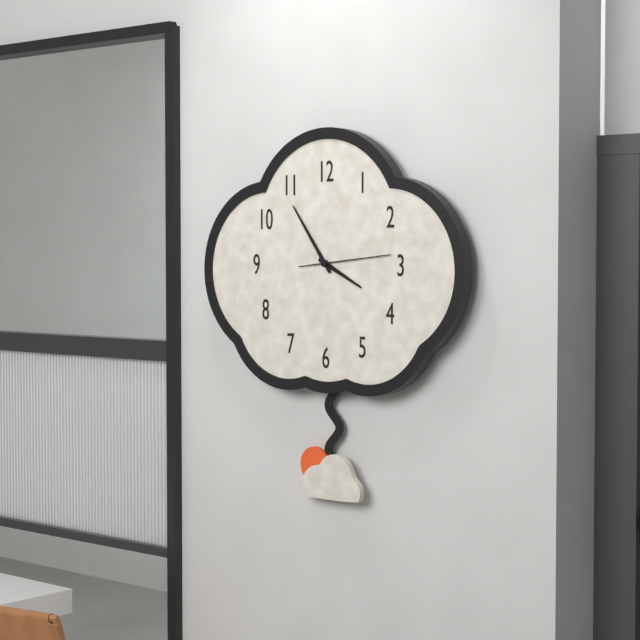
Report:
3,54,14
